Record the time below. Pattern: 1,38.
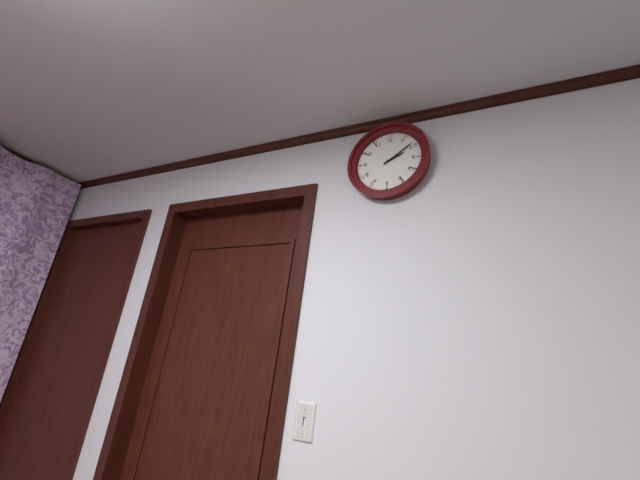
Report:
2,09
